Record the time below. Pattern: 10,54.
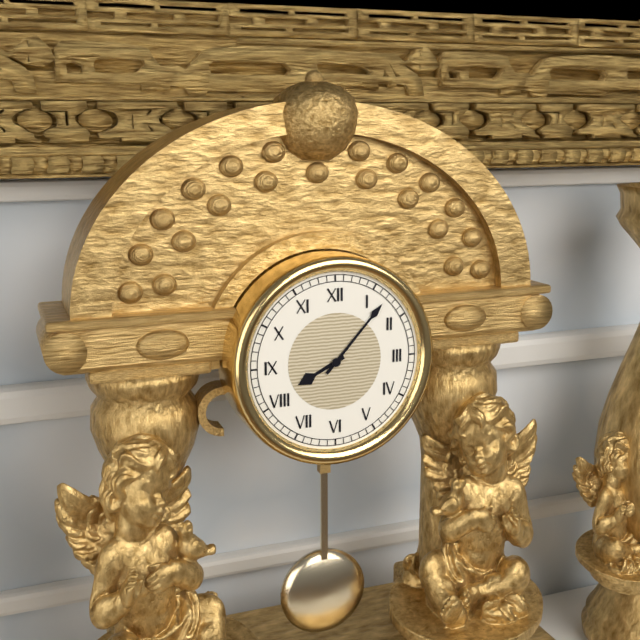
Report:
8,07
